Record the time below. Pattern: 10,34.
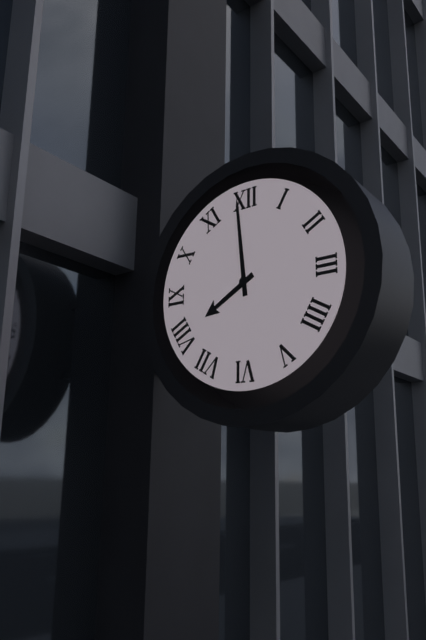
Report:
7,59
